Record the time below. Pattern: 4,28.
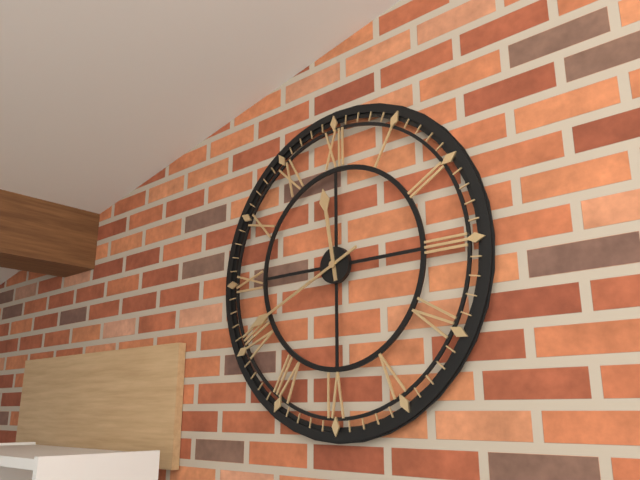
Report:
11,41
